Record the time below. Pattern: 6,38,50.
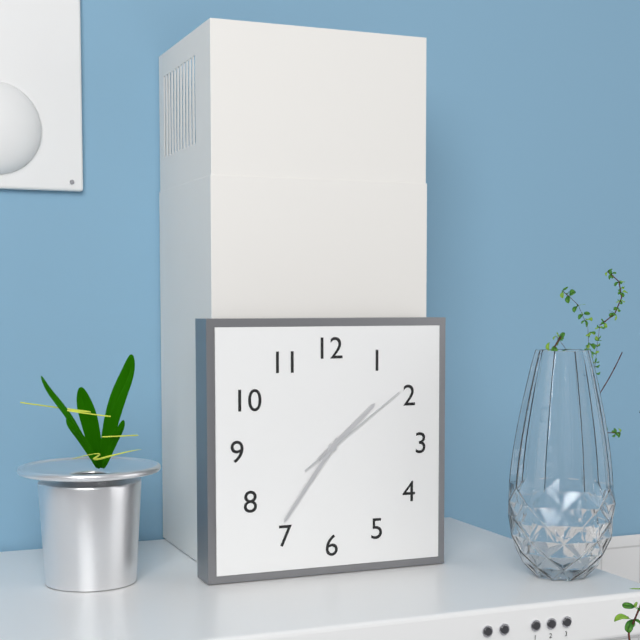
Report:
1,36,09
